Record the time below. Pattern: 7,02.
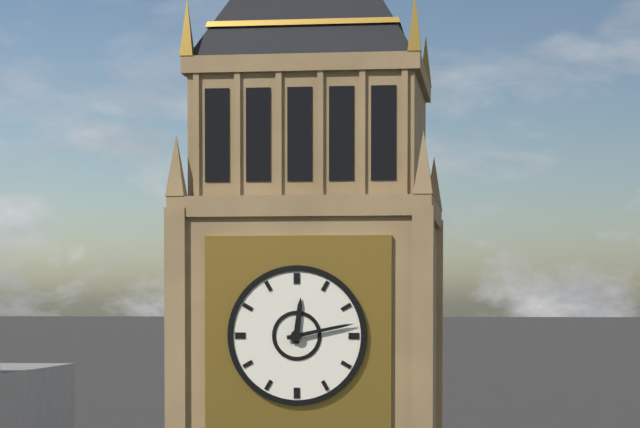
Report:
12,13
